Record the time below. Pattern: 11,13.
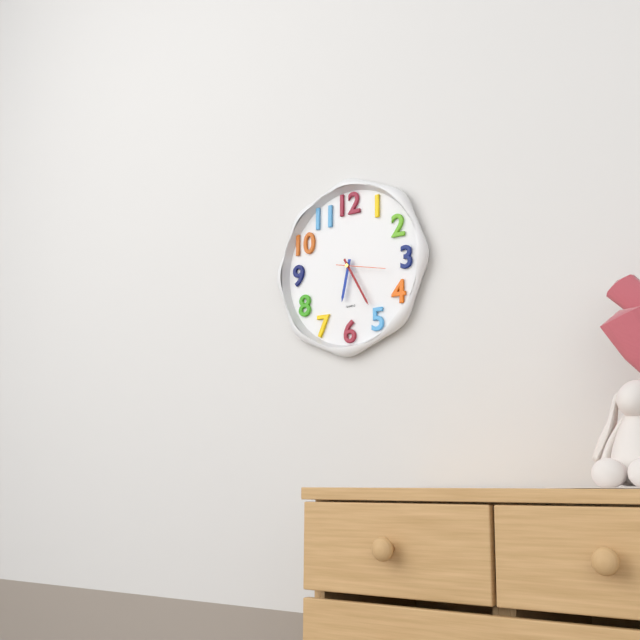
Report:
6,25
